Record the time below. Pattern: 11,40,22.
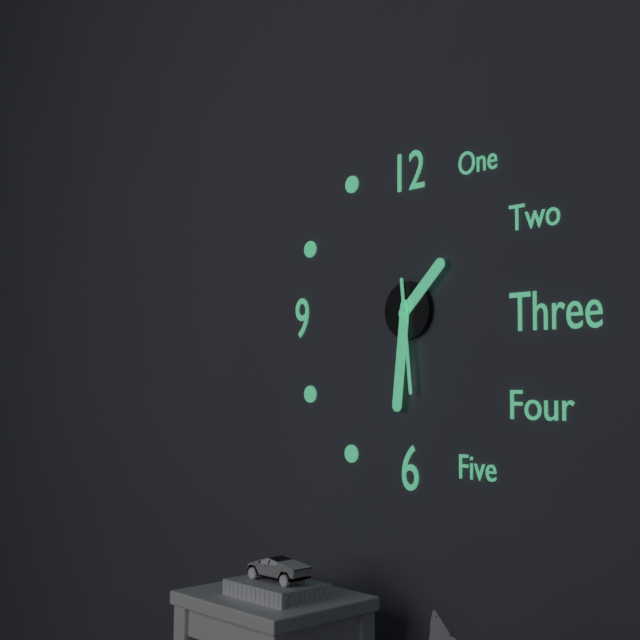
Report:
1,31,29
